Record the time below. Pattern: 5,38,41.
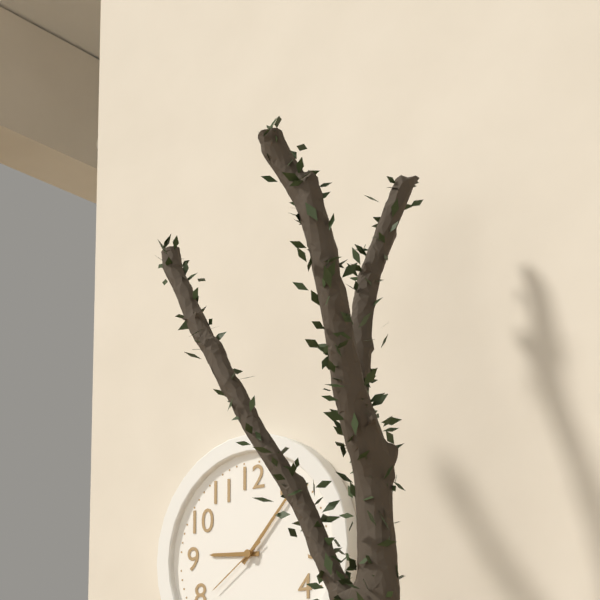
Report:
9,07,39
